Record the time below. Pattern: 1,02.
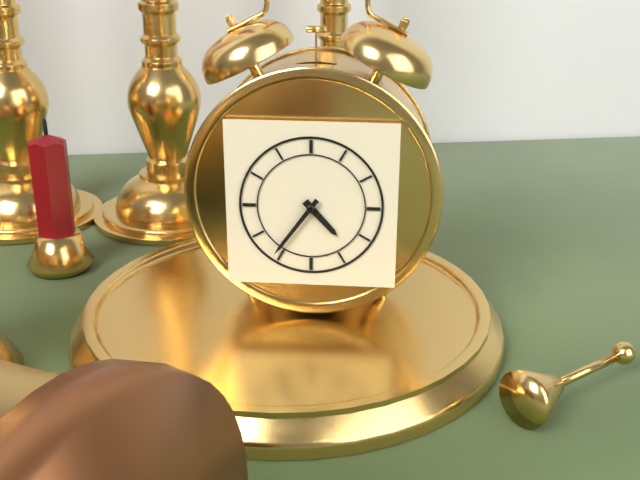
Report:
4,36
